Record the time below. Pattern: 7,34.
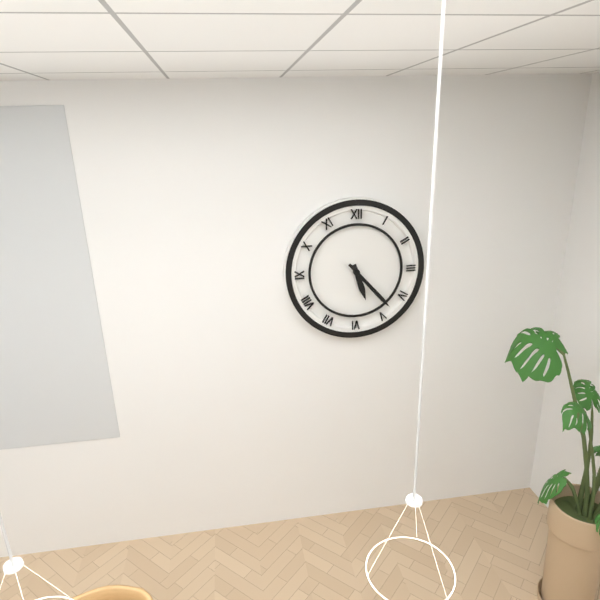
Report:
5,23
